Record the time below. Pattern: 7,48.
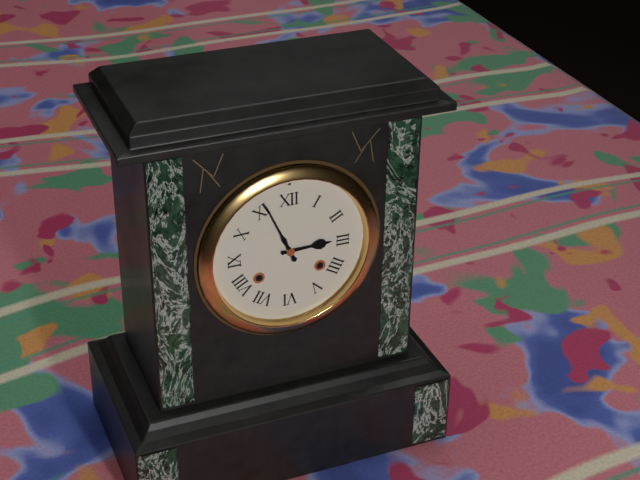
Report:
2,56
